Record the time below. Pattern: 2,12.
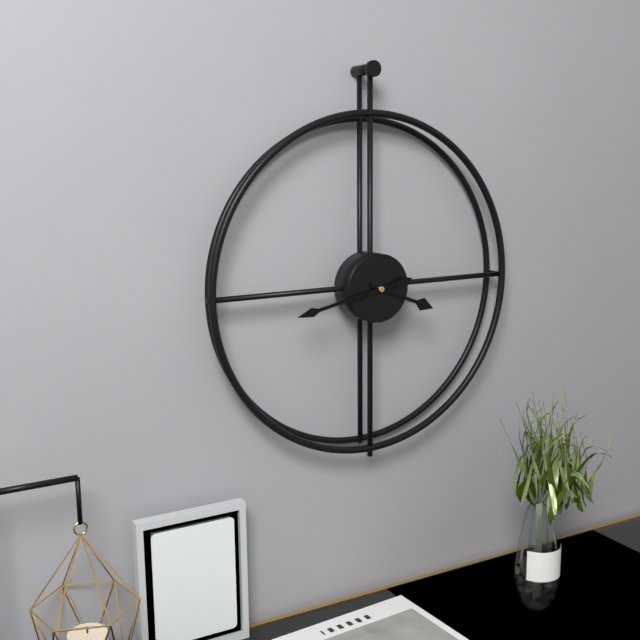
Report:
3,43
